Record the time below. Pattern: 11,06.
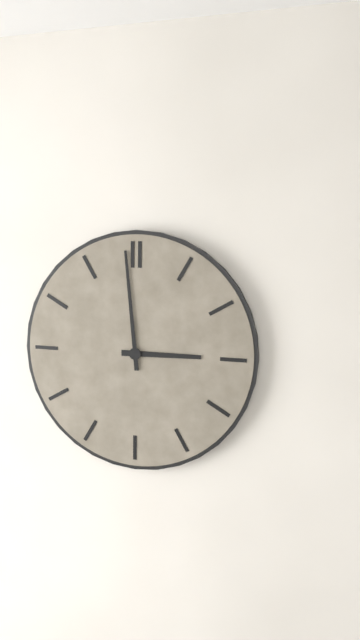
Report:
2,59
